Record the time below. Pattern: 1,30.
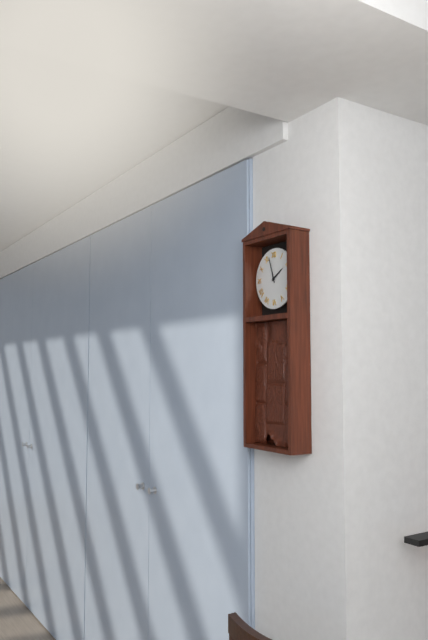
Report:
1,57
